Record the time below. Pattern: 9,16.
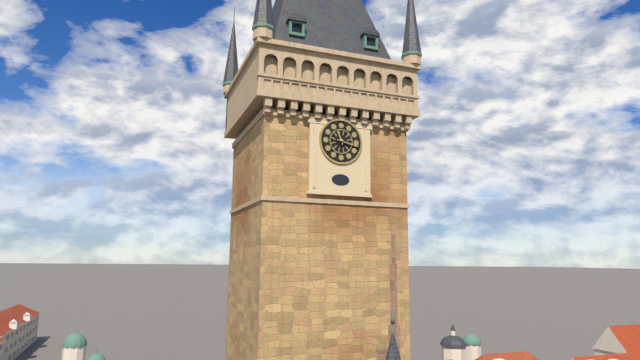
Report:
11,17
